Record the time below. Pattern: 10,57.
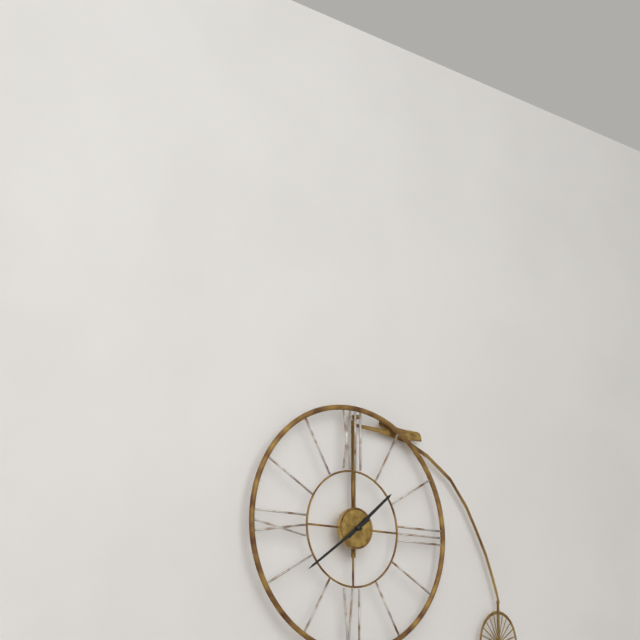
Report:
1,39
